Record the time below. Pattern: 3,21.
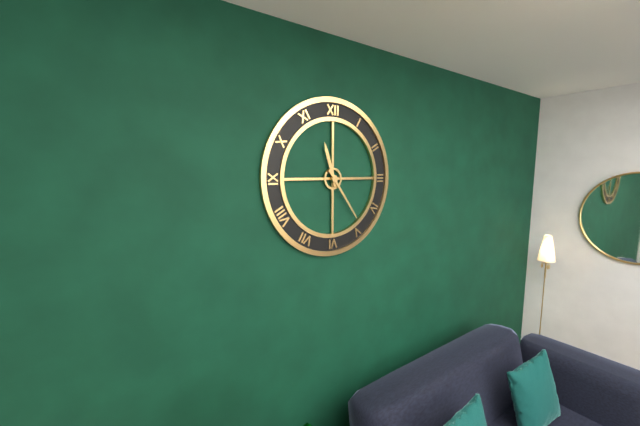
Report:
11,24
